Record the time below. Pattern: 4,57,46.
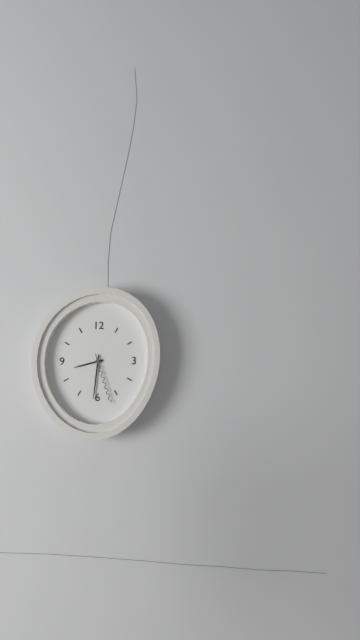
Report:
8,31,27
